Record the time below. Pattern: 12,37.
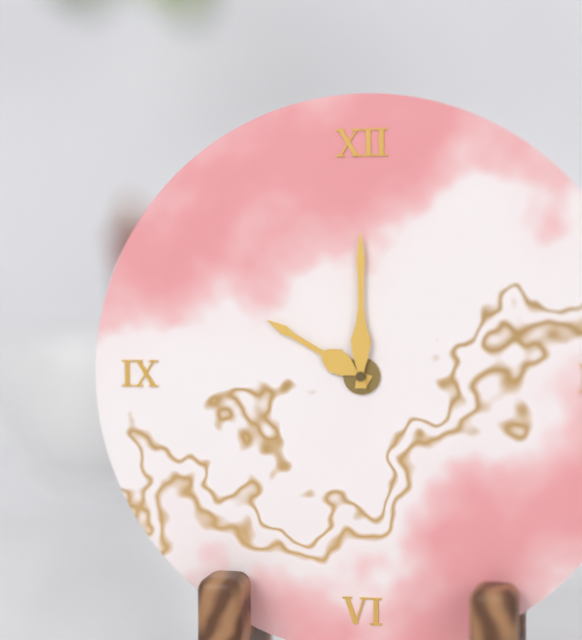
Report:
10,00
